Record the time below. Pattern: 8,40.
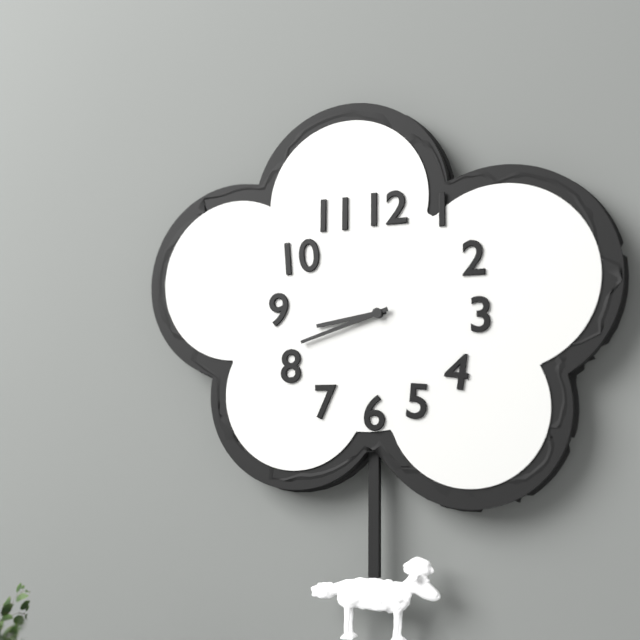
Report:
8,42
